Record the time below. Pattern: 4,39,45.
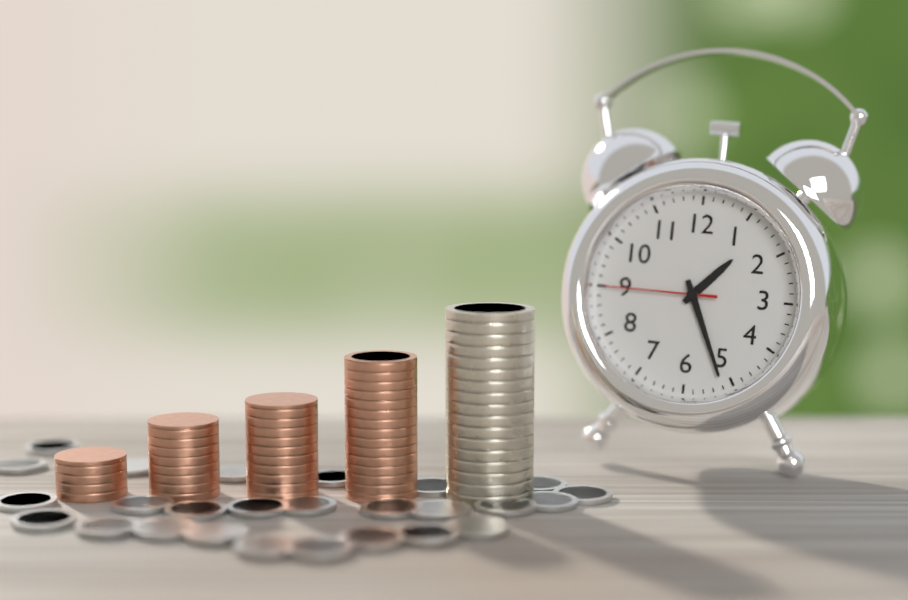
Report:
1,26,45
